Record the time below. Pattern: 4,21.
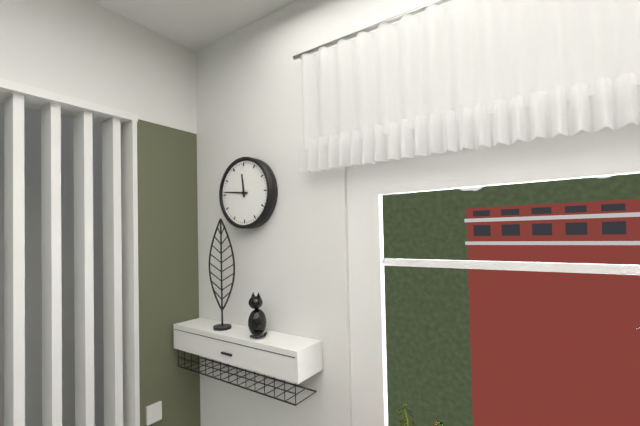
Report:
11,46
